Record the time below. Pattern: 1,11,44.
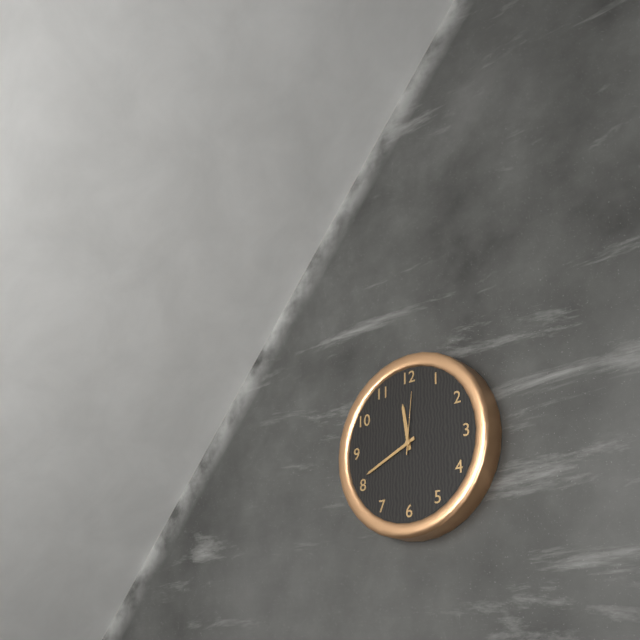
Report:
11,41,01
